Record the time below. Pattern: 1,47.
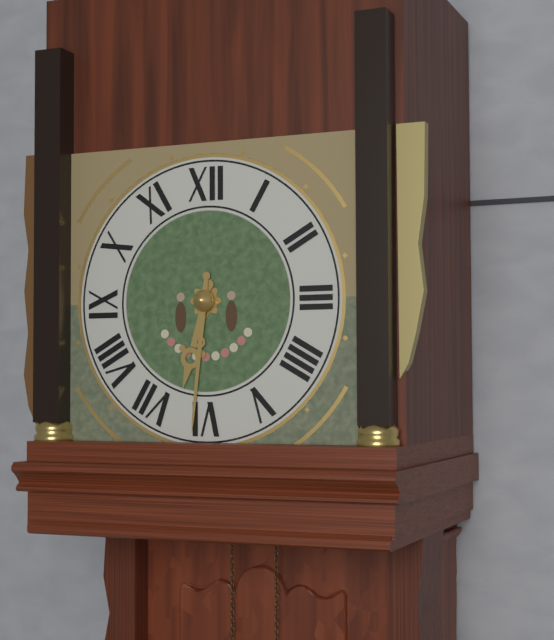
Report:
6,31
